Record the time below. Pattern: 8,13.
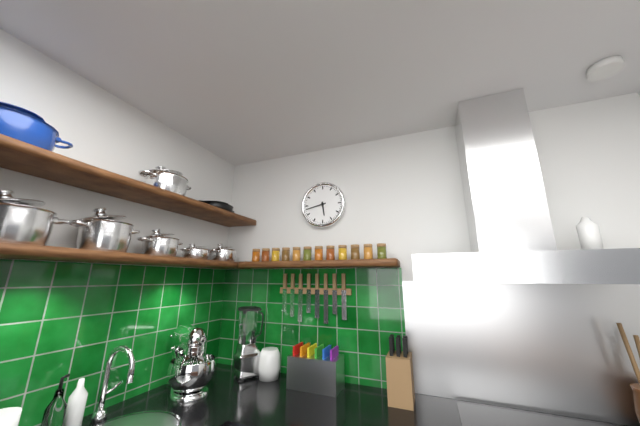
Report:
5,43
